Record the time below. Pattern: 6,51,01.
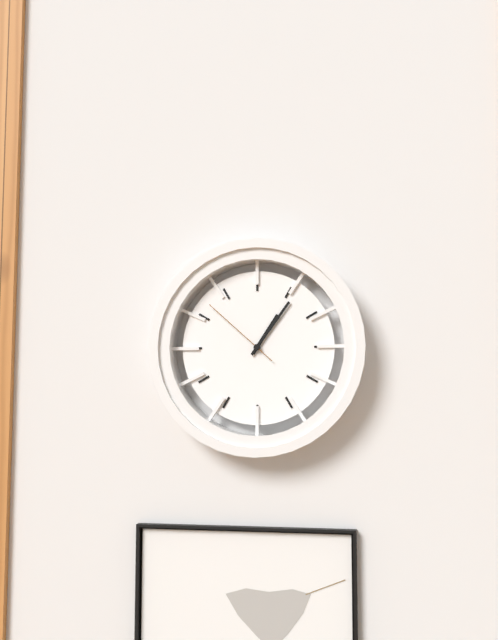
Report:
1,06,52
